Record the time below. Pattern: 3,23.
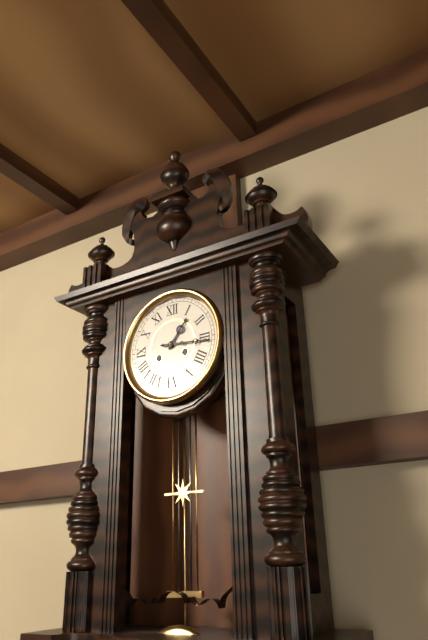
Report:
1,16
